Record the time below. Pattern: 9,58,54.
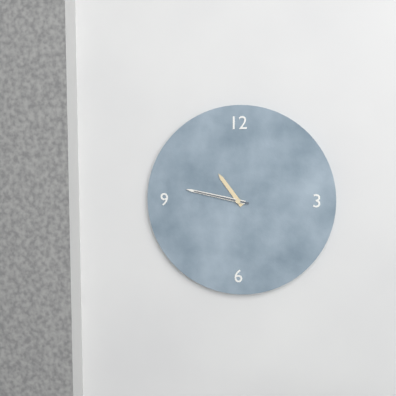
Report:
10,47,47
